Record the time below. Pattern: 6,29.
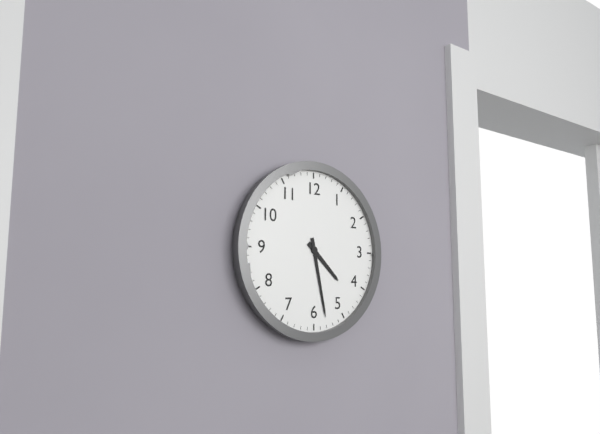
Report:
4,28
